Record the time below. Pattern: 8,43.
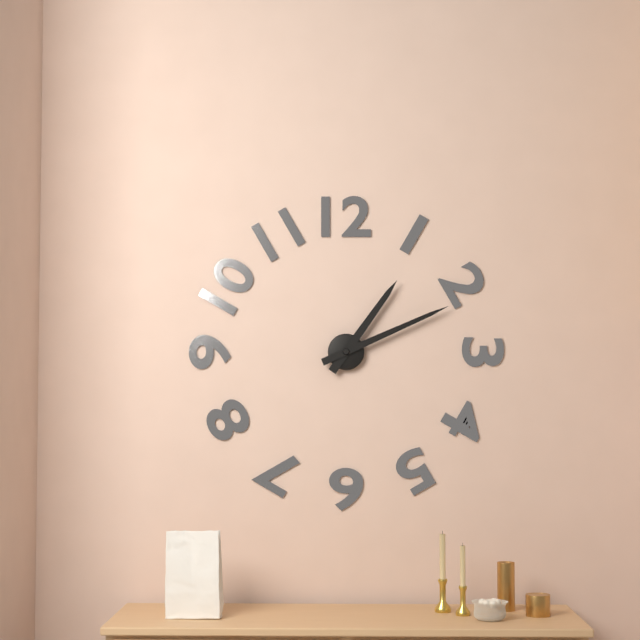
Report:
1,11
